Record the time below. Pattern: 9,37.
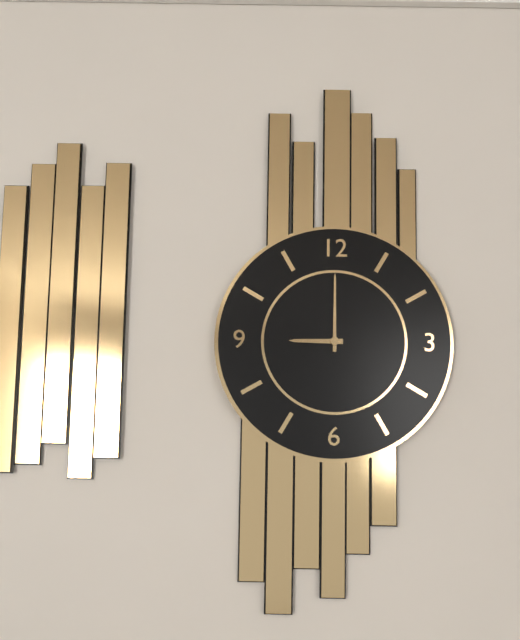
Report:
9,00
